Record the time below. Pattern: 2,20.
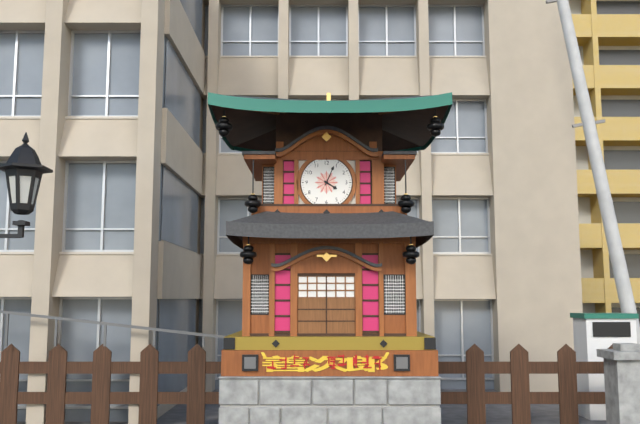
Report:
4,04
